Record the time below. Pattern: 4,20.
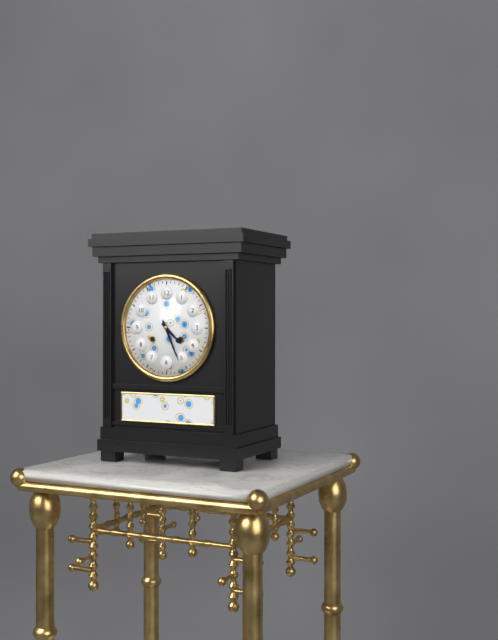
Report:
4,26
